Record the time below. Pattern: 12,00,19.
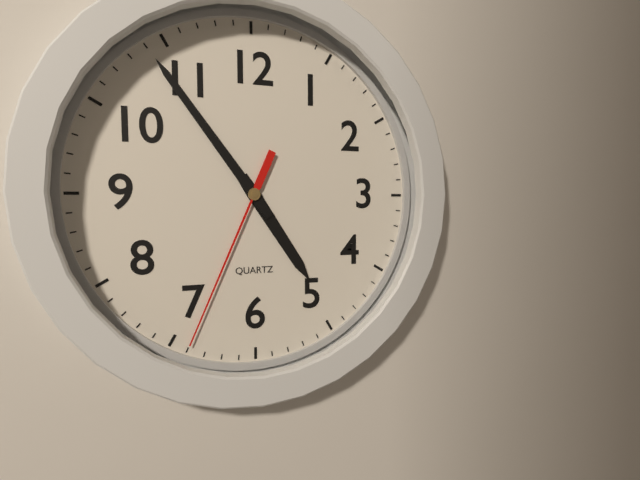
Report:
4,54,34
